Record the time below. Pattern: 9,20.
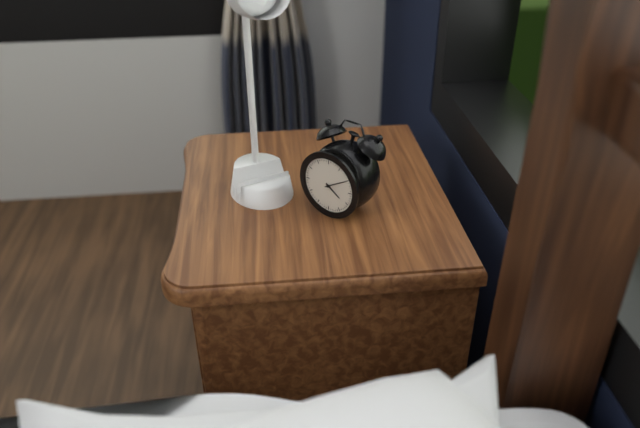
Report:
4,10
